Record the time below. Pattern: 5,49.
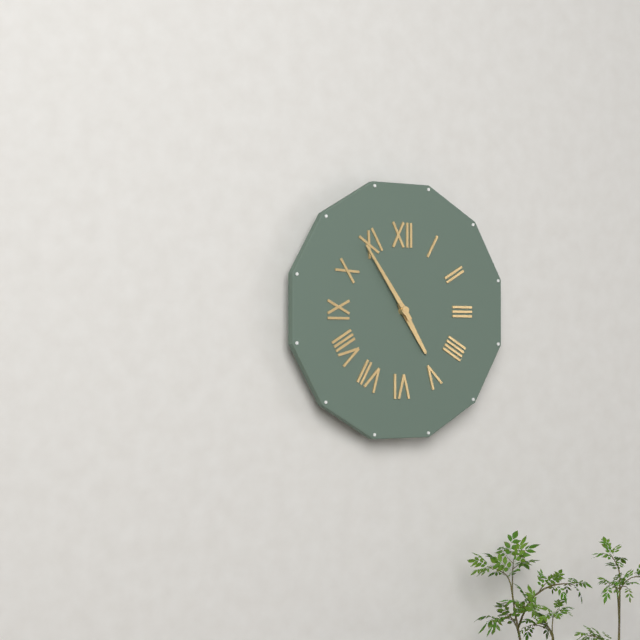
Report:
4,54
